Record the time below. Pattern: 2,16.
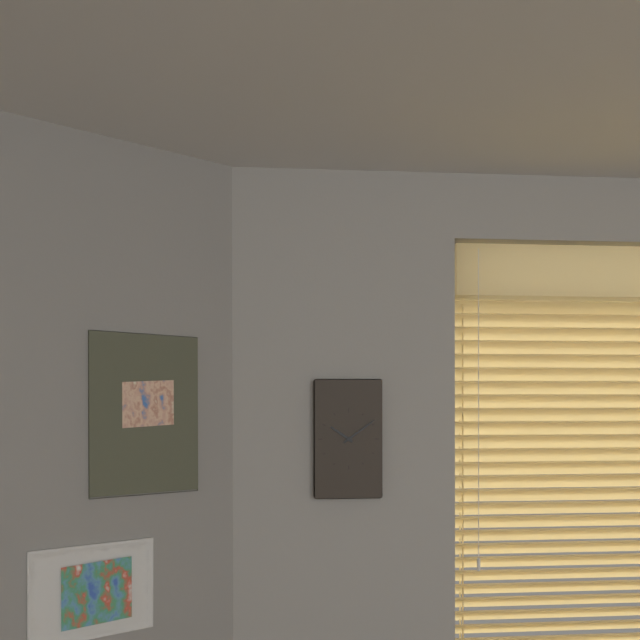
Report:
10,09
